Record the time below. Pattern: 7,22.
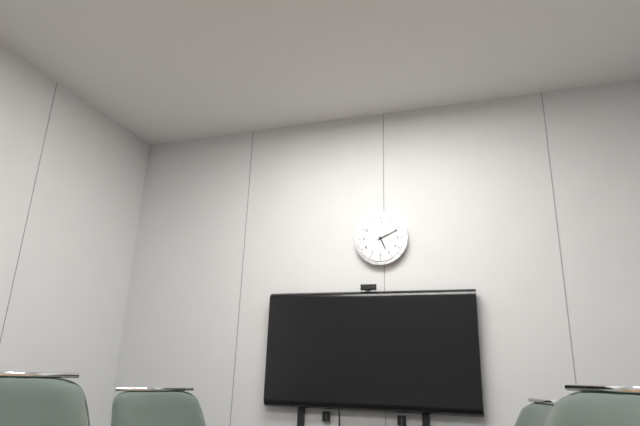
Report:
5,11
